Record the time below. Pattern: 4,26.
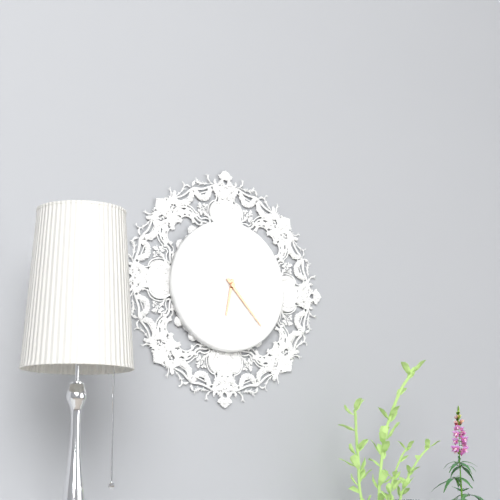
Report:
6,23
